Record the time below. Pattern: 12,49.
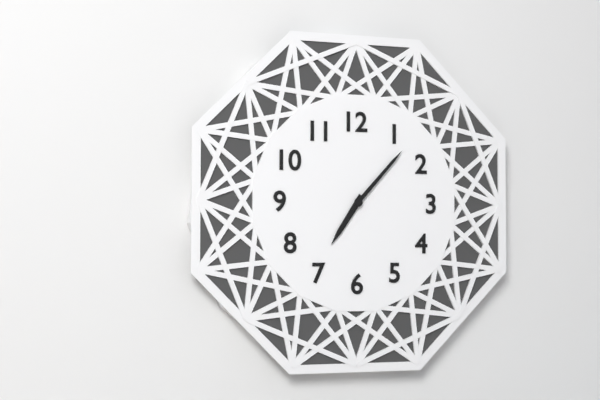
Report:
7,07
